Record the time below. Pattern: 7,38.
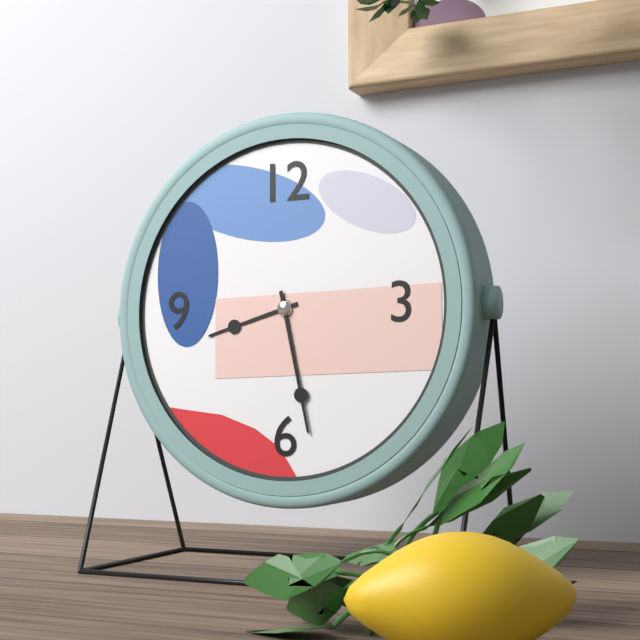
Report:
8,28
